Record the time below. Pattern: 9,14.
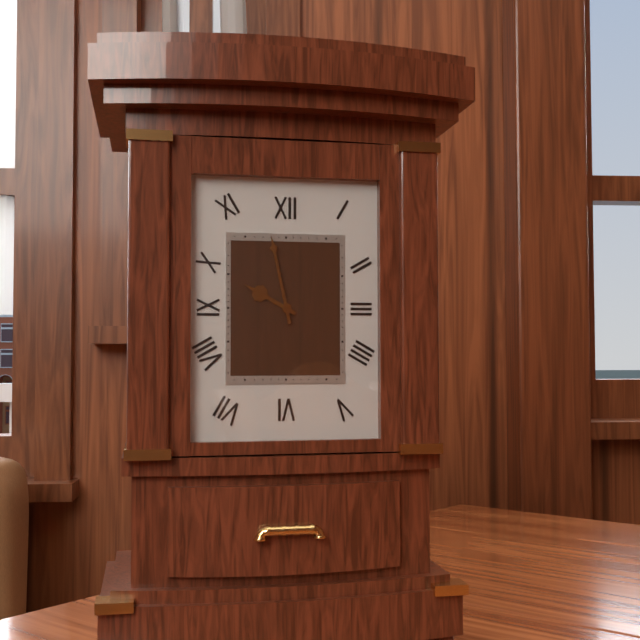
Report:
9,58
